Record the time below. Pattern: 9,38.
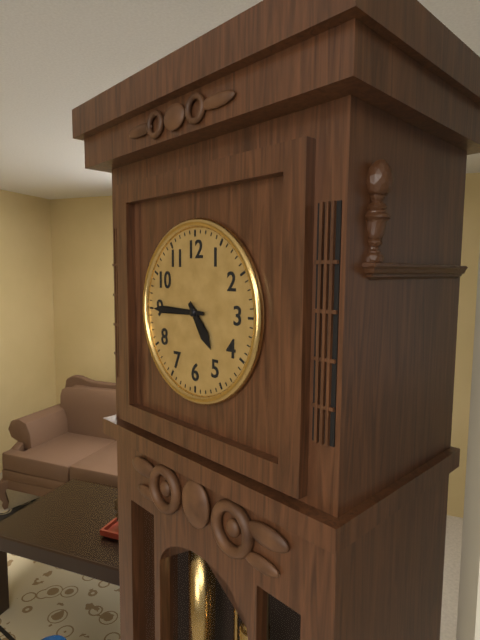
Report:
4,45
